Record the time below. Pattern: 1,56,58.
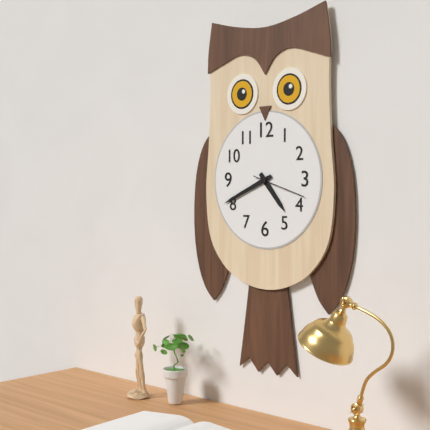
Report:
4,41,18
